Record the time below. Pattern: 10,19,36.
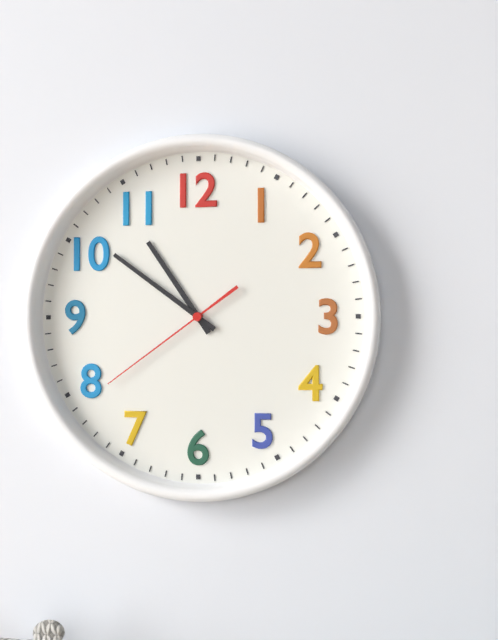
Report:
10,51,39
